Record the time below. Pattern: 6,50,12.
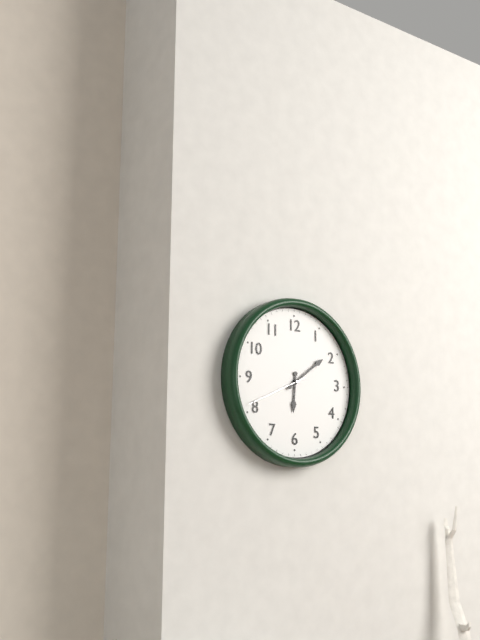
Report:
6,09,41
